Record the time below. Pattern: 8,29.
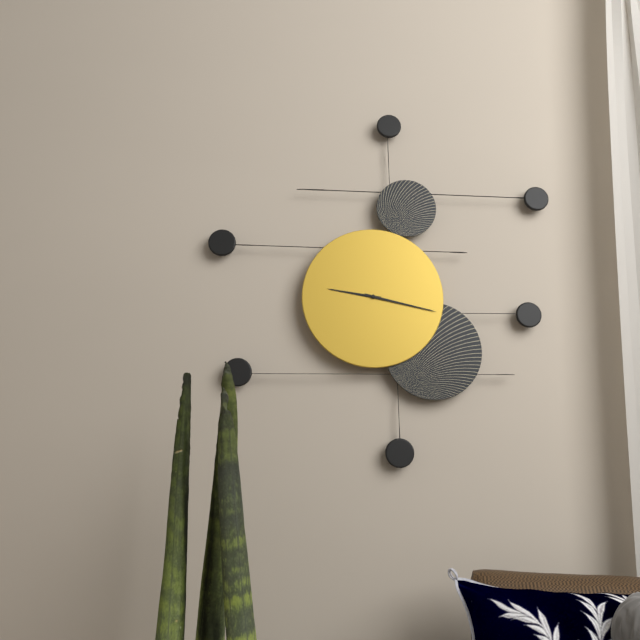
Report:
9,17
